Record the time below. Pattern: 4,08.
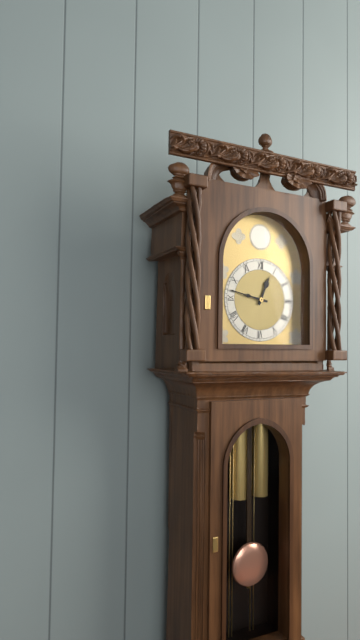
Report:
12,47
